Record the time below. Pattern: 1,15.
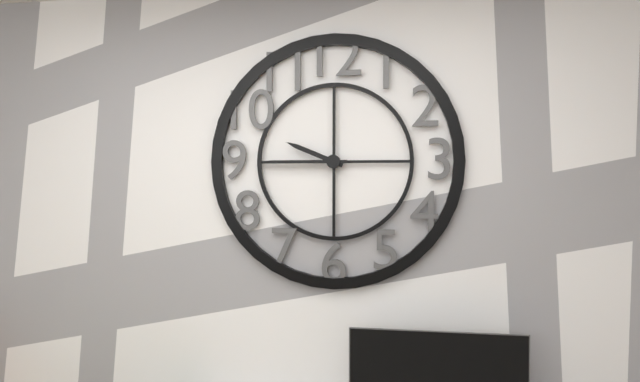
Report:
9,45
